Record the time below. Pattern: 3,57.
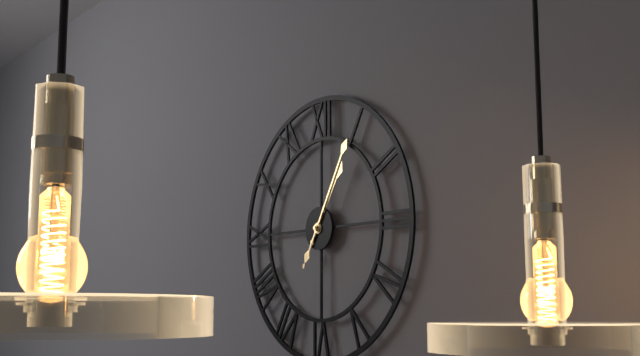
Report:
1,05
